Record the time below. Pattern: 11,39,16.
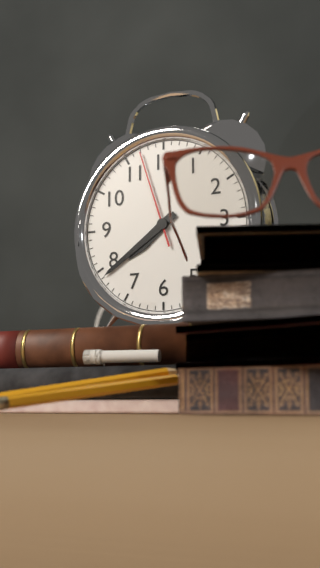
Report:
7,39,57
